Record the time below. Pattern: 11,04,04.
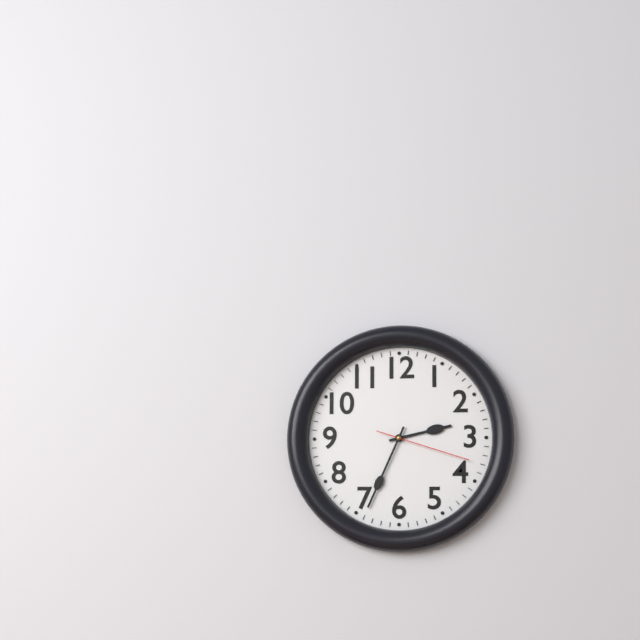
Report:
2,34,18
